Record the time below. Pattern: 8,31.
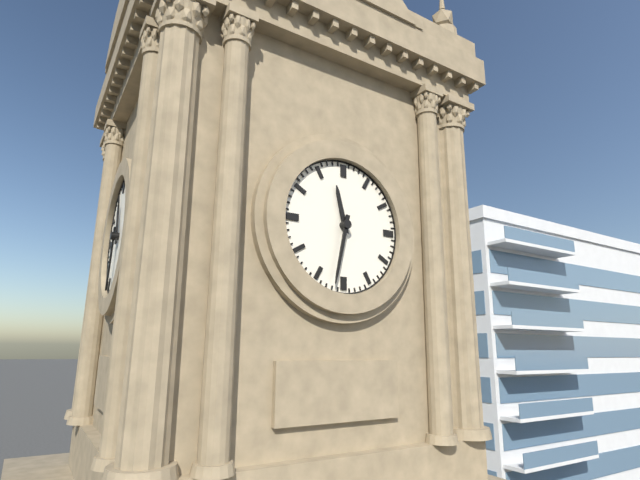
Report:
11,32
